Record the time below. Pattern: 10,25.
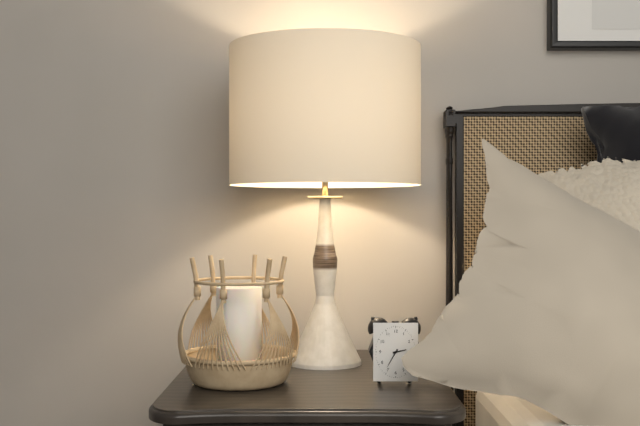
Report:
2,35
